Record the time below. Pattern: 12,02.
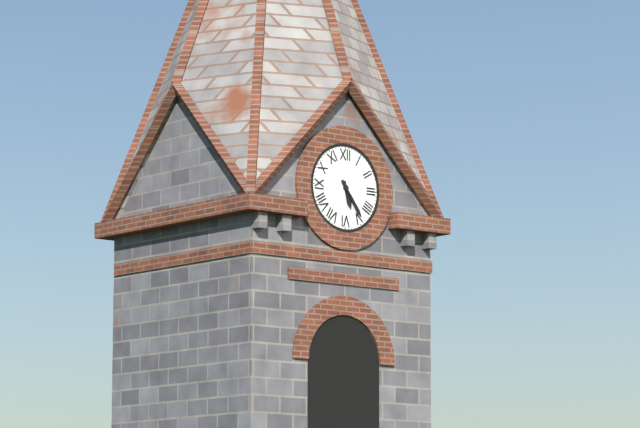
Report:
5,24
